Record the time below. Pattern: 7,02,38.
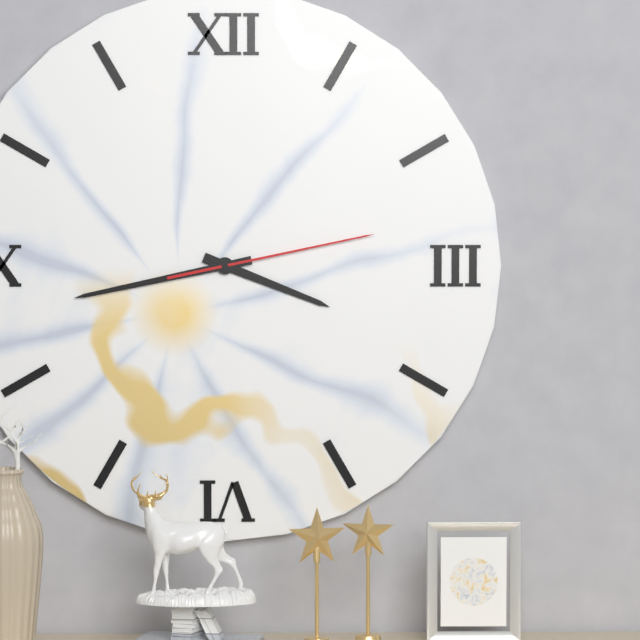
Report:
3,43,13
